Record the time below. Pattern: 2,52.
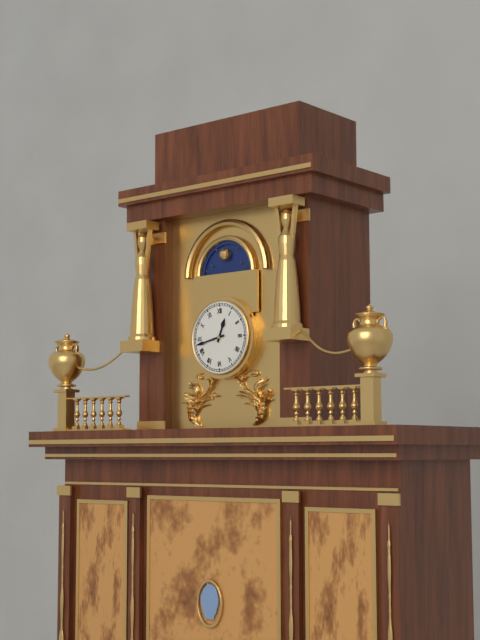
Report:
12,43
